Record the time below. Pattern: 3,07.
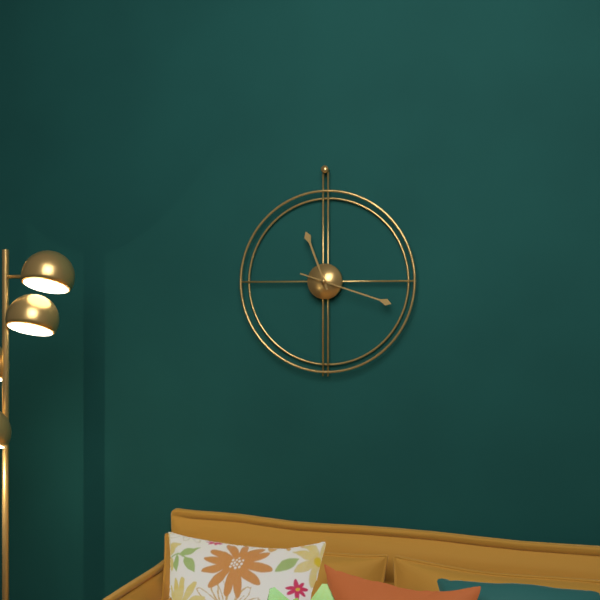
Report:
11,18
